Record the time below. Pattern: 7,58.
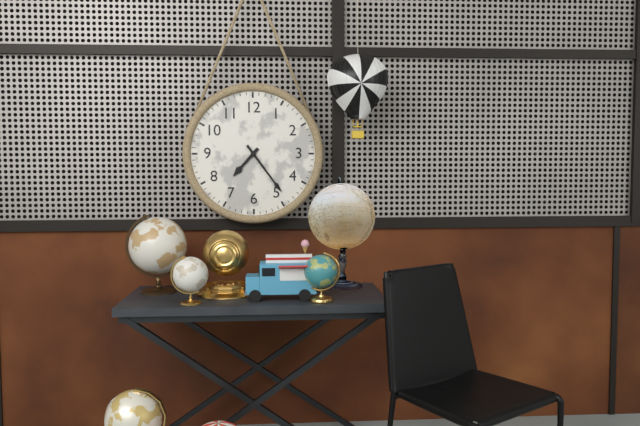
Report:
7,24
